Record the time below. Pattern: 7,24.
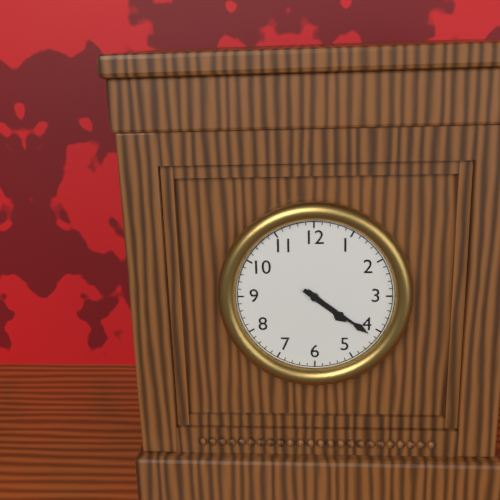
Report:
4,21
